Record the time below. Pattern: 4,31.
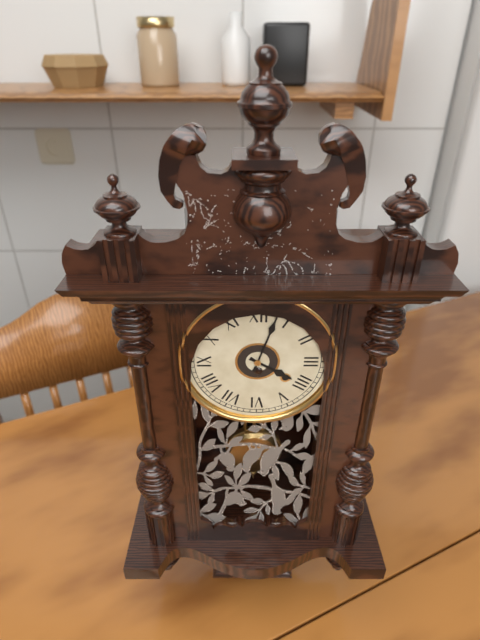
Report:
4,03
